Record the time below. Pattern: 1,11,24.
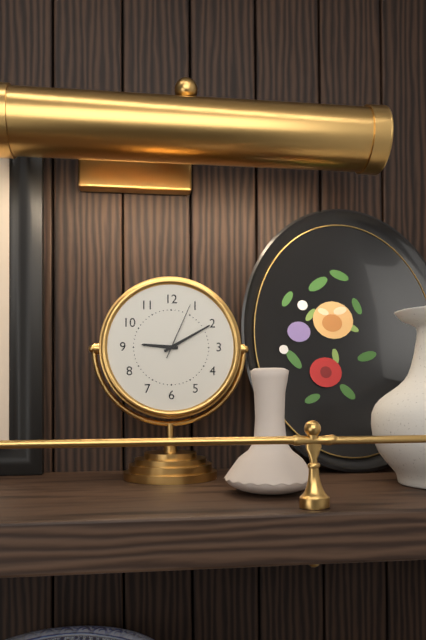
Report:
9,10,04
